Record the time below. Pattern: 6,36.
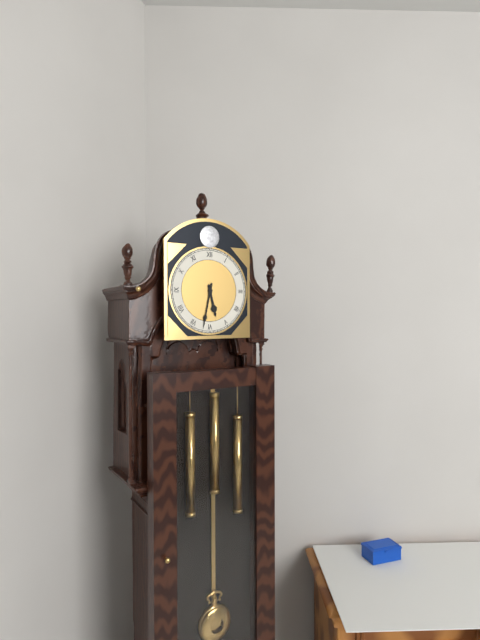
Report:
5,32
